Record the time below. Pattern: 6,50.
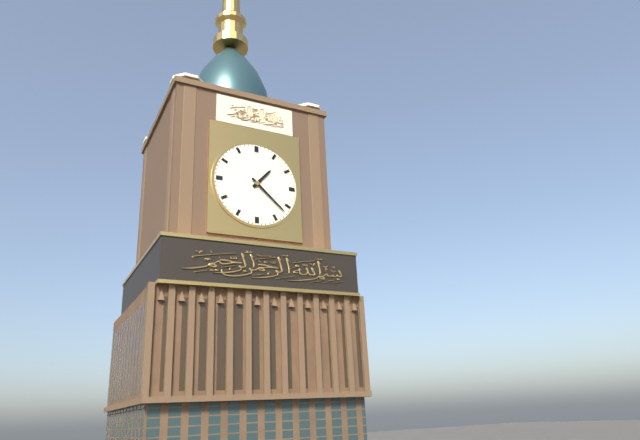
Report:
1,22
